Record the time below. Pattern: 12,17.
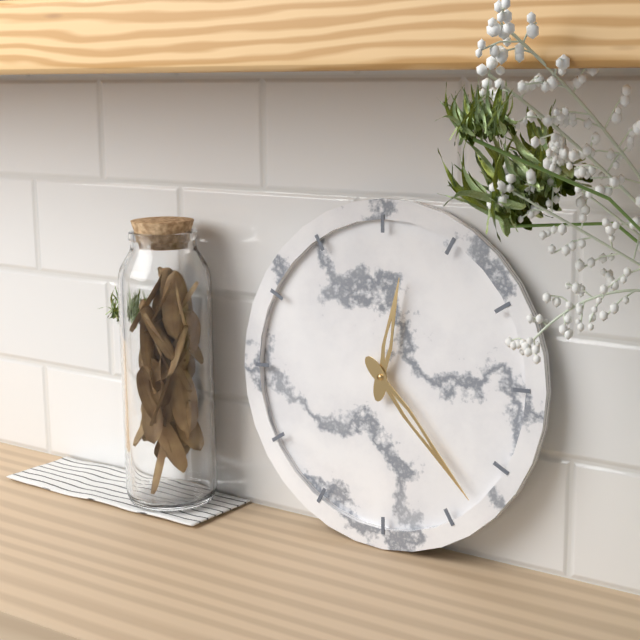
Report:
12,23
